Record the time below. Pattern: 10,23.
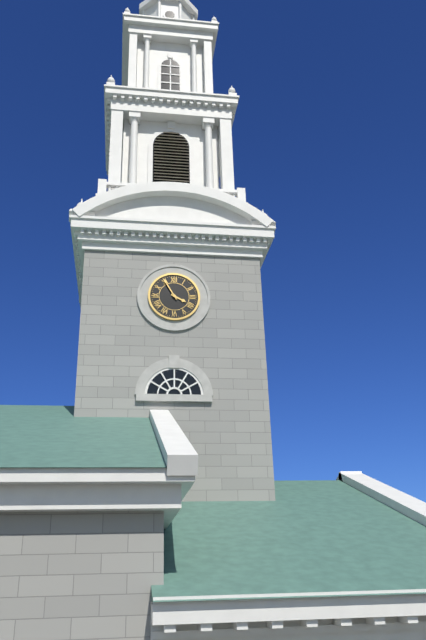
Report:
3,55
